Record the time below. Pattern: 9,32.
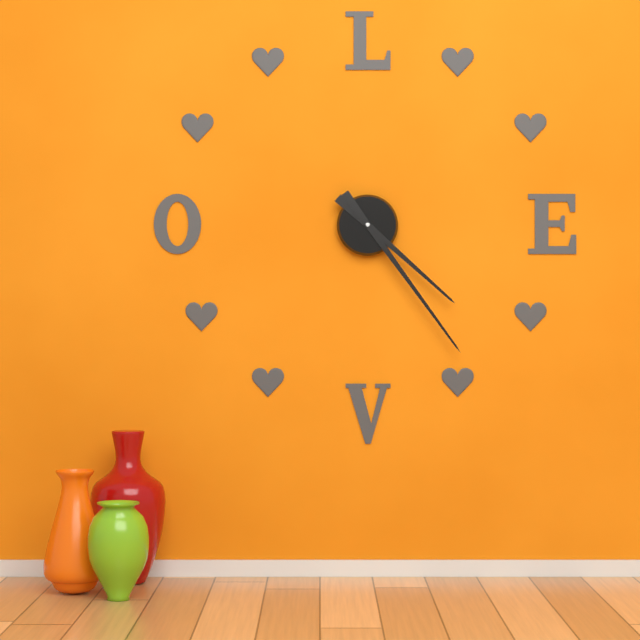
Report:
4,24
